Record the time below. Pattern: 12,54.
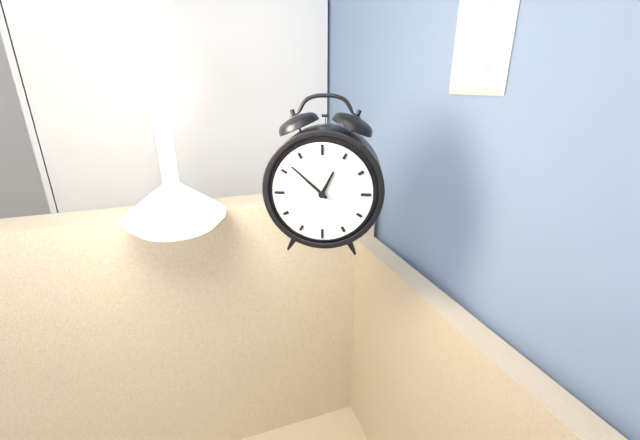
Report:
12,52
